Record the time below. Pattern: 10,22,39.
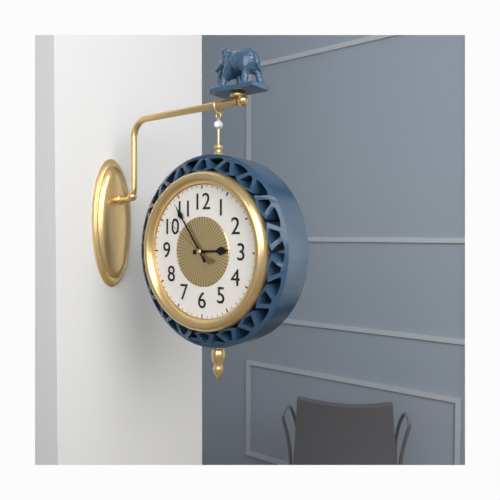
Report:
2,54,51
